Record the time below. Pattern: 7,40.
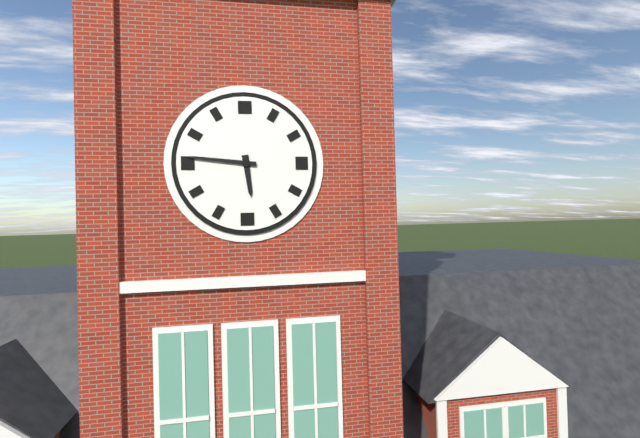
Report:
5,46
